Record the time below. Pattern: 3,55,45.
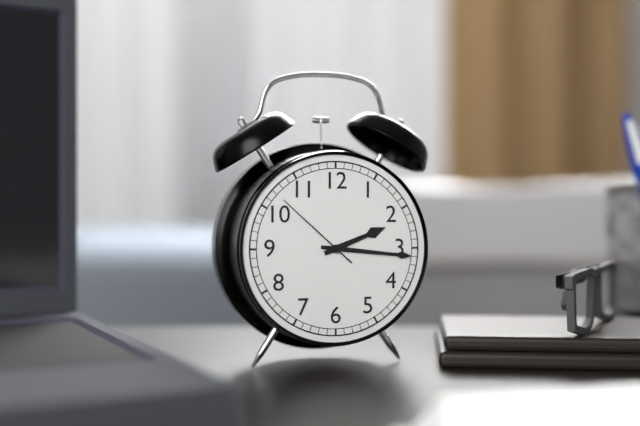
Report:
2,16,52
